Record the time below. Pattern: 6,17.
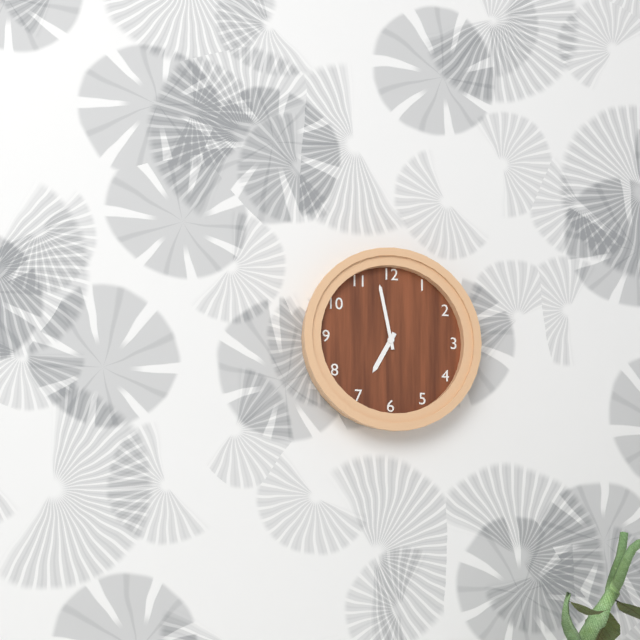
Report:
6,58
